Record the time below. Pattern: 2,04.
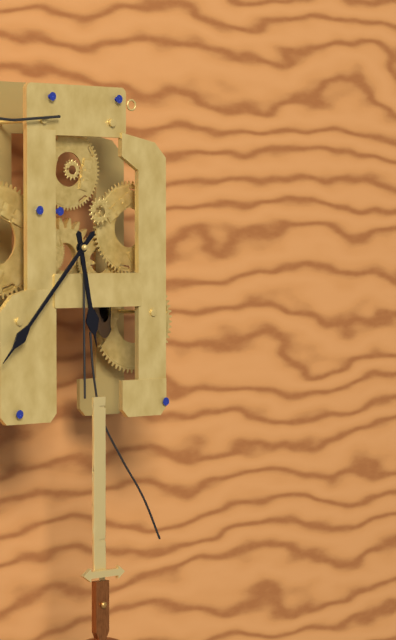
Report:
5,37
